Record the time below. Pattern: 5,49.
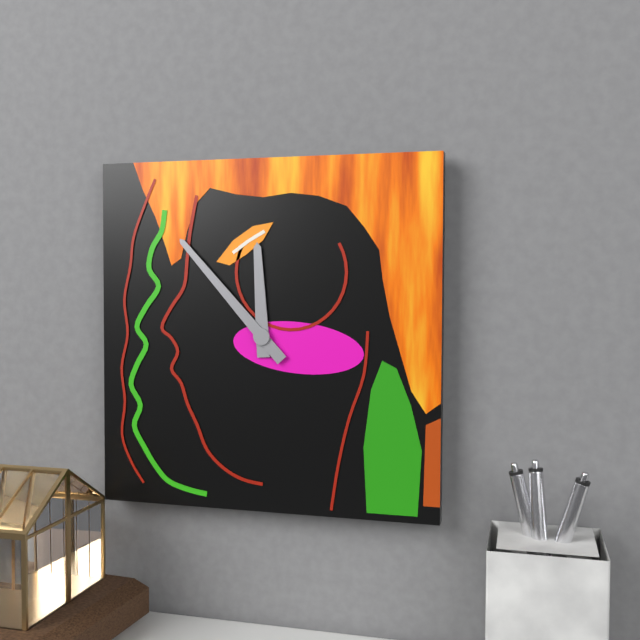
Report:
11,53
